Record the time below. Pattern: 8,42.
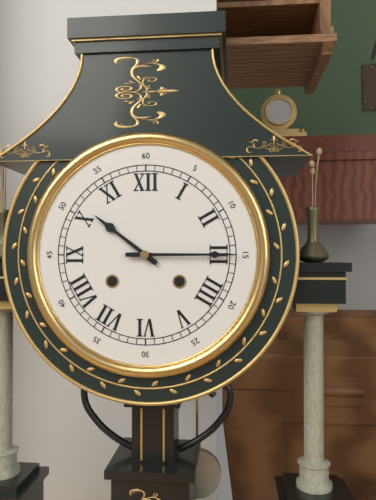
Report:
10,15
